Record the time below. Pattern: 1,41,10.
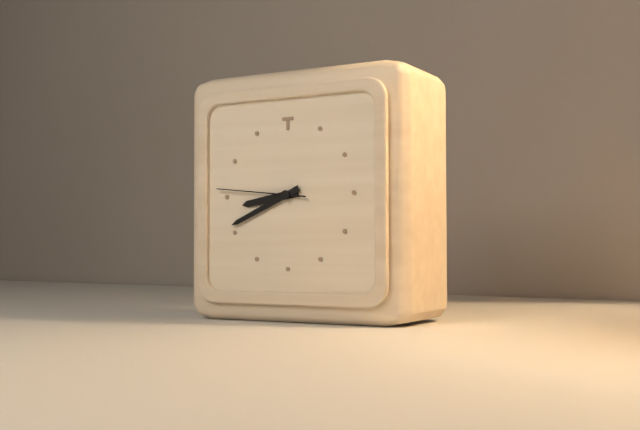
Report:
8,41,46
